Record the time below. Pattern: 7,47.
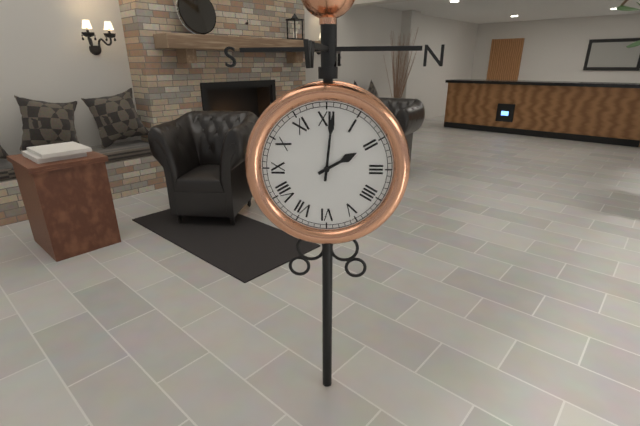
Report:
2,01
